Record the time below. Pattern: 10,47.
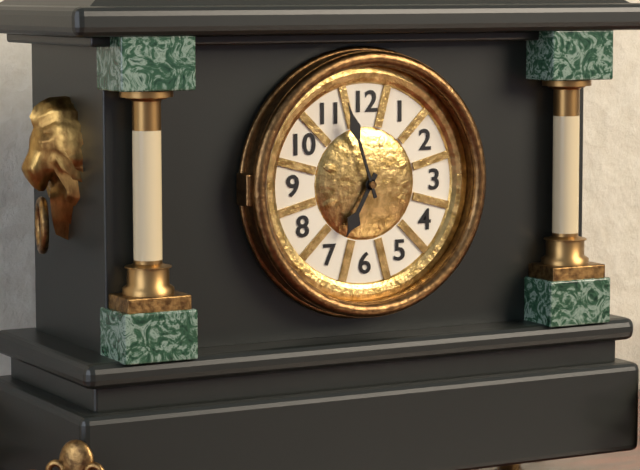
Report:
6,57
